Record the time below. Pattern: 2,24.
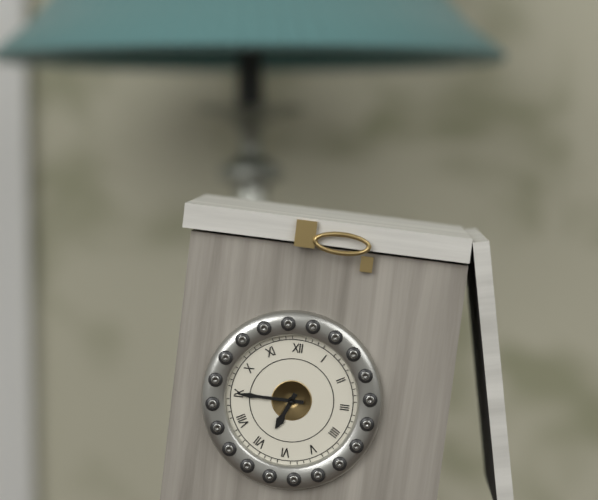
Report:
6,45
